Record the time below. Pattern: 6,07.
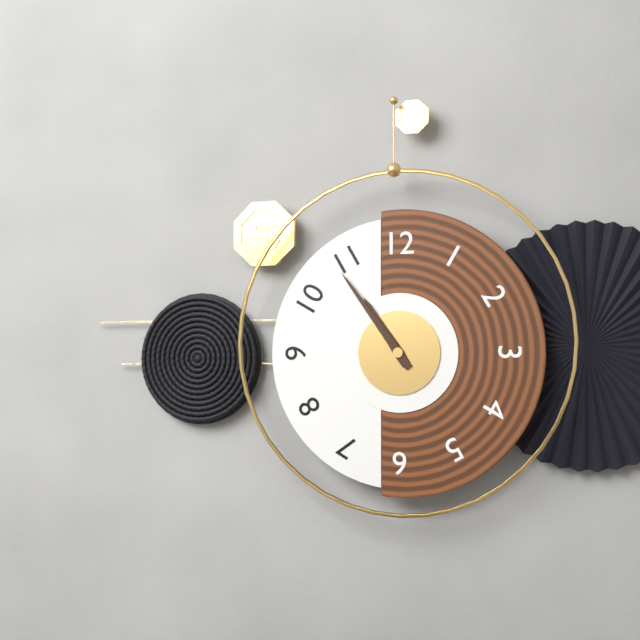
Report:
10,54
